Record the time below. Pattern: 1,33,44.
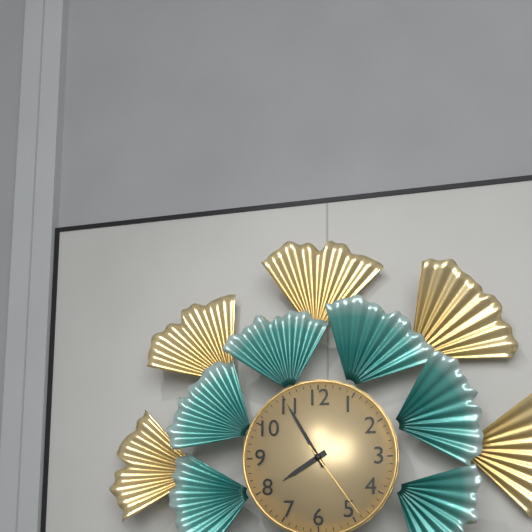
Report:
7,55,24
